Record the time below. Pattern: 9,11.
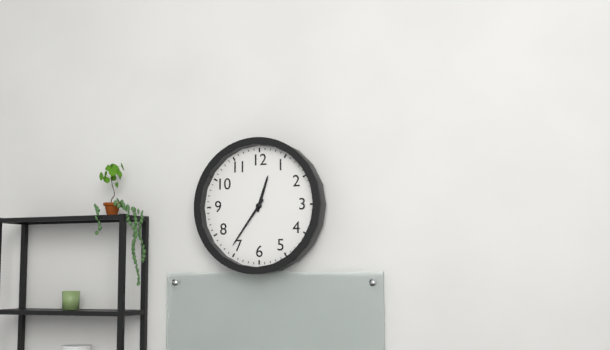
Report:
12,36
